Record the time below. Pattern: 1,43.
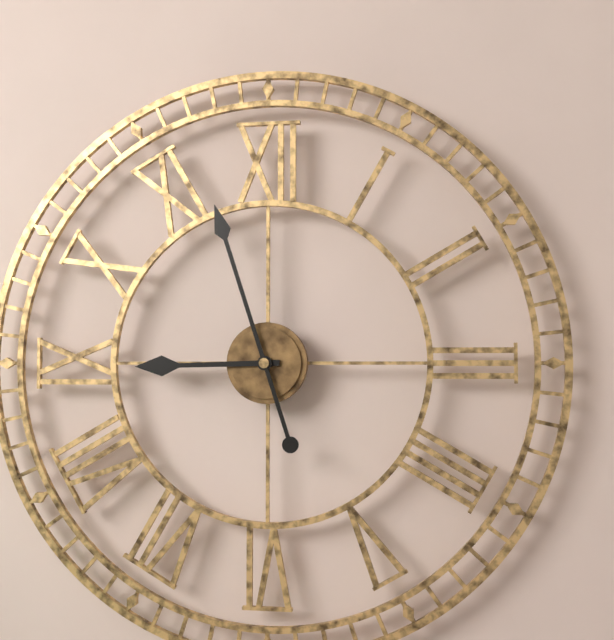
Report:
8,57
